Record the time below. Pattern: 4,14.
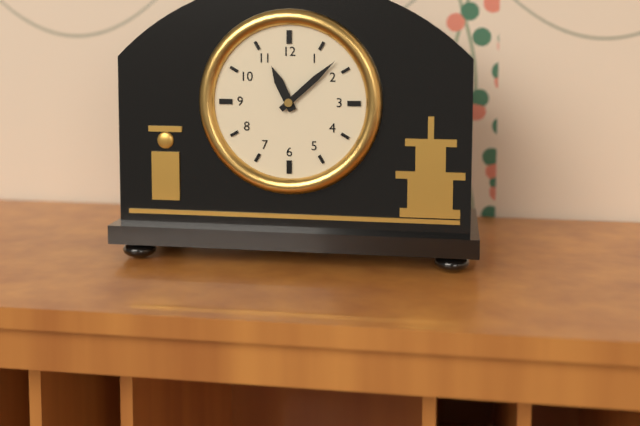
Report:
11,08
